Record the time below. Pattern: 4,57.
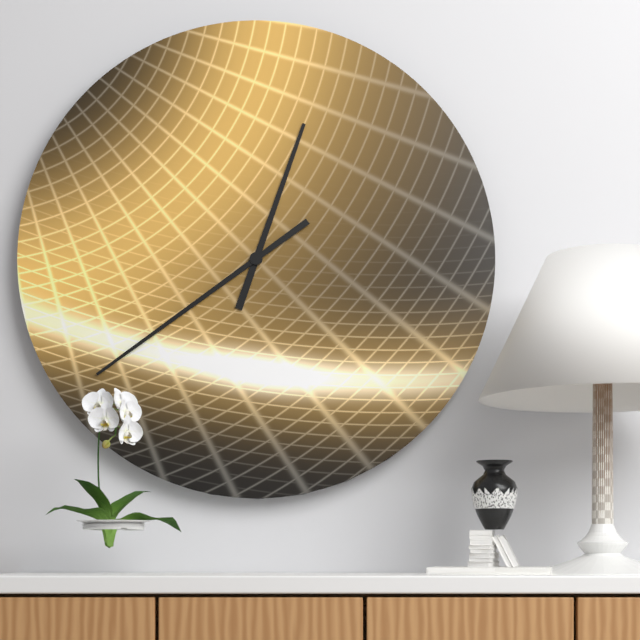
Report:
12,39
